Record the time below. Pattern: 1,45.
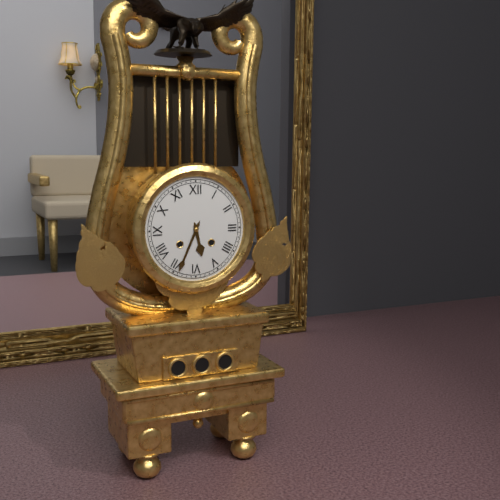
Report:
5,34
